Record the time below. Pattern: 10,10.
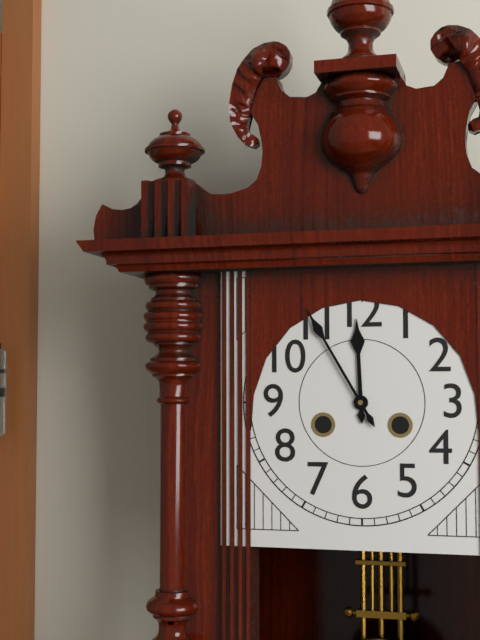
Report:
11,55
